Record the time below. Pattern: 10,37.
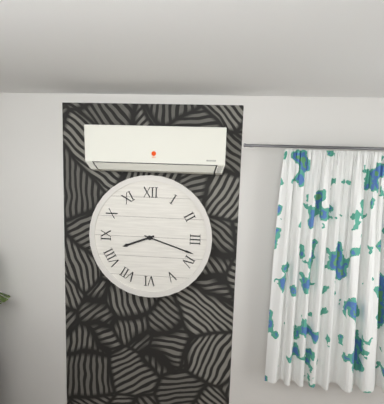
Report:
8,18
